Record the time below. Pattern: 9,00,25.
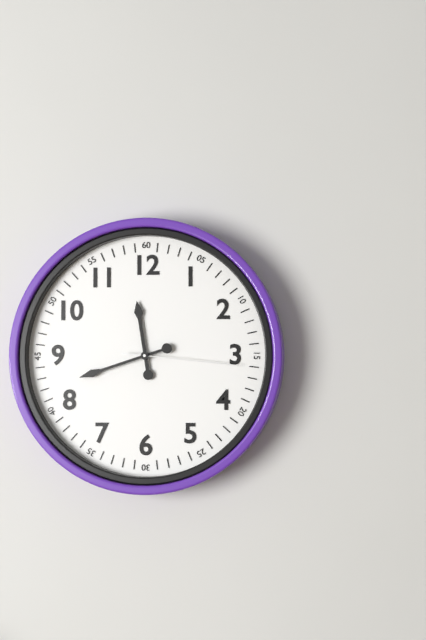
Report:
11,42,16
